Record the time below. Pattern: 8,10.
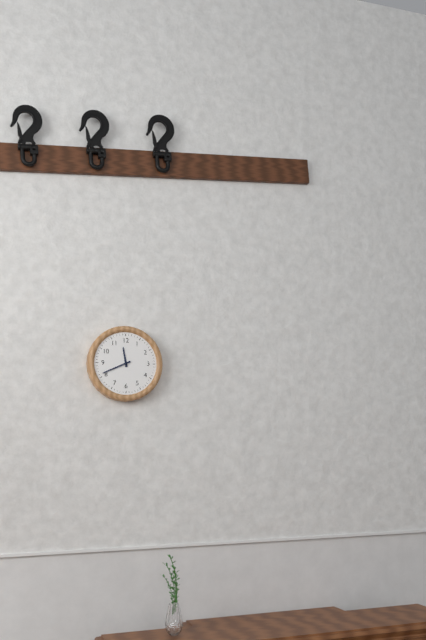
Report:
11,41
